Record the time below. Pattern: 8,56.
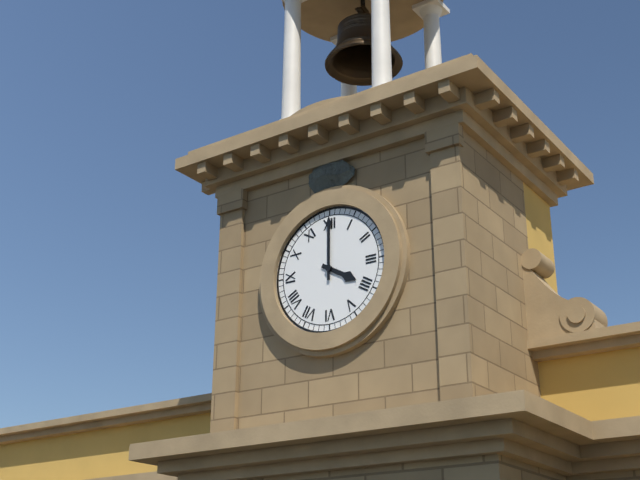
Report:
4,00
